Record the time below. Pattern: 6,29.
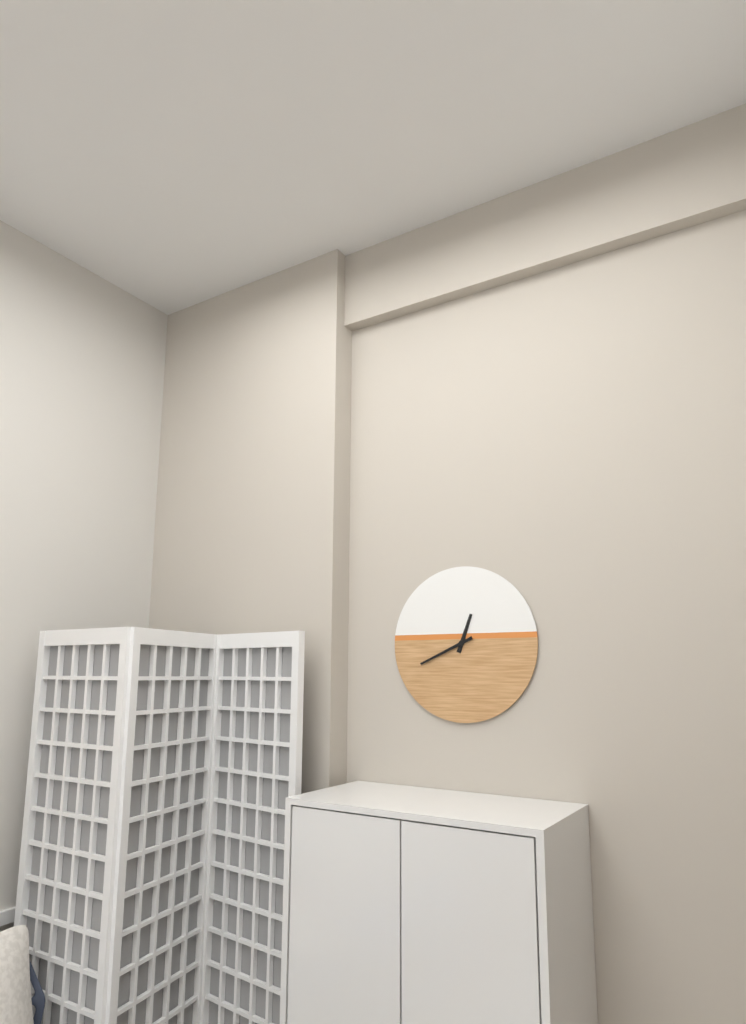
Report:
12,41
